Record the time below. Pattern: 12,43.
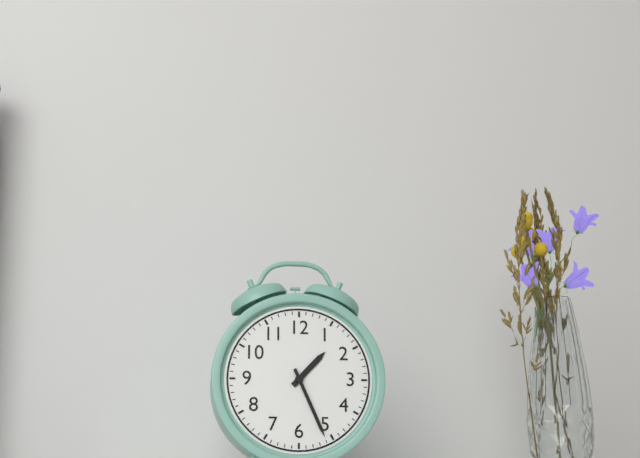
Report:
1,26
